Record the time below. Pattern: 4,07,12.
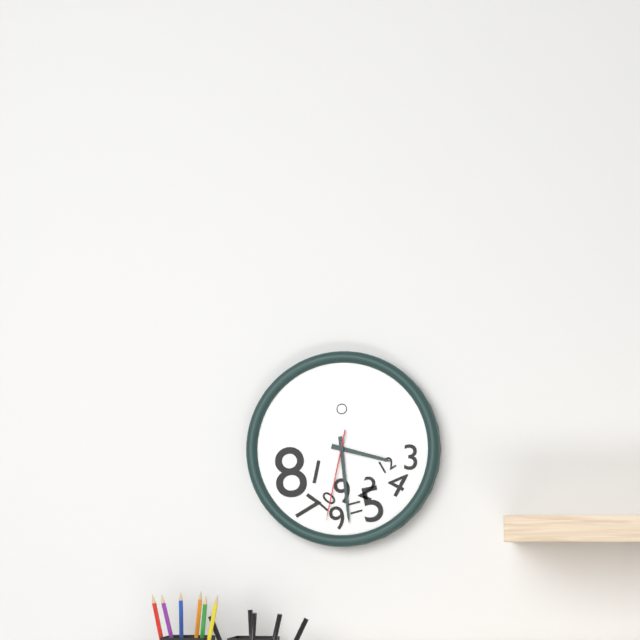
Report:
3,29,32
